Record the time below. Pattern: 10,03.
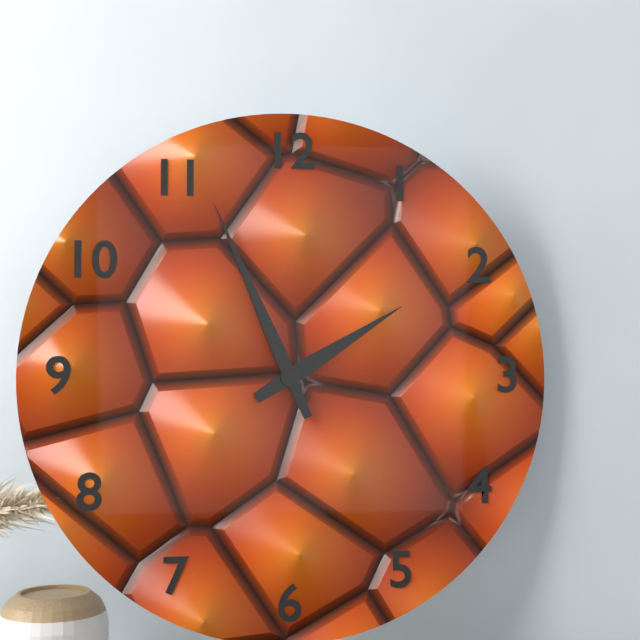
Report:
1,56
